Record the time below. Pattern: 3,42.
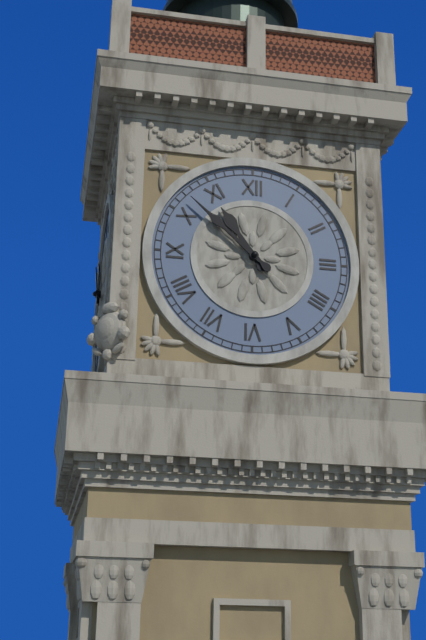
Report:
10,52
